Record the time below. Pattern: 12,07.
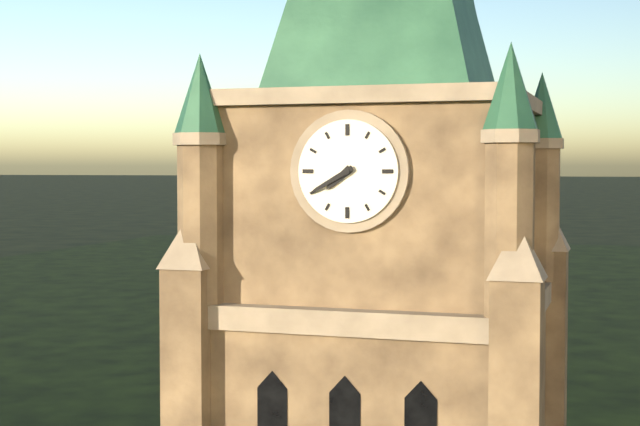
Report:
7,40
